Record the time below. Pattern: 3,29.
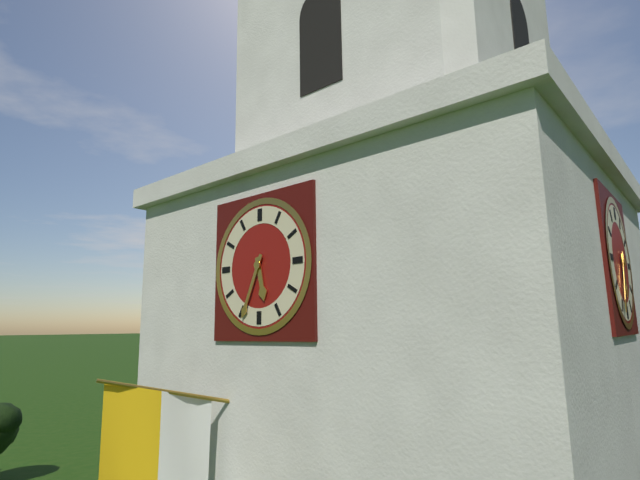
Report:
5,34
